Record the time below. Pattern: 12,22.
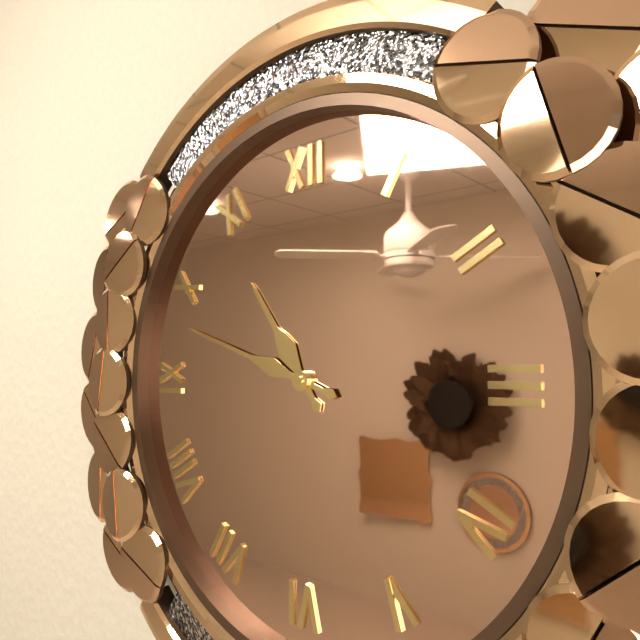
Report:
10,48
